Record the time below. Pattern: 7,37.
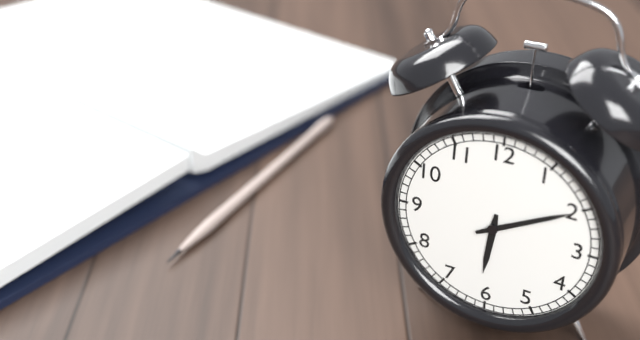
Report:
6,10
